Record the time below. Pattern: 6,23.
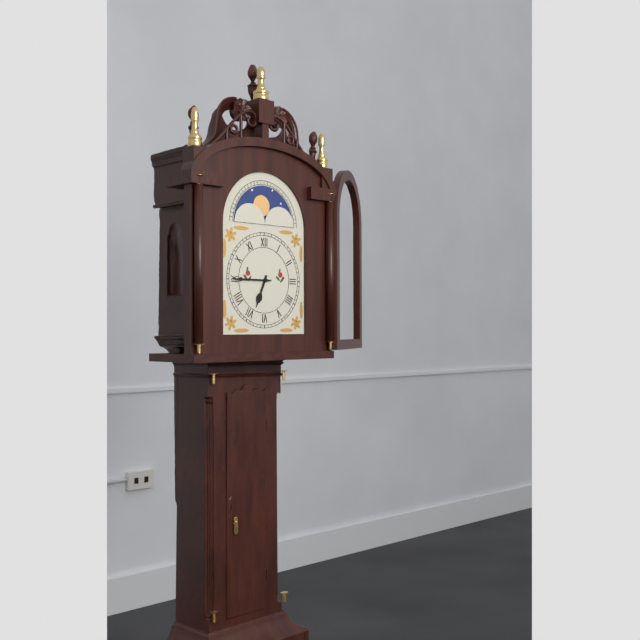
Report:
6,45
